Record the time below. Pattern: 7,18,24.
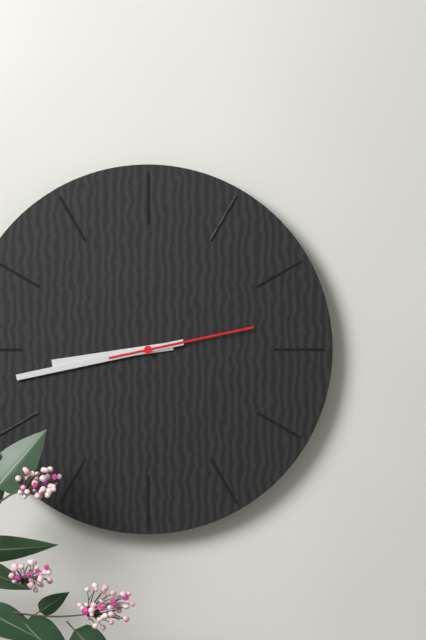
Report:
8,43,13
